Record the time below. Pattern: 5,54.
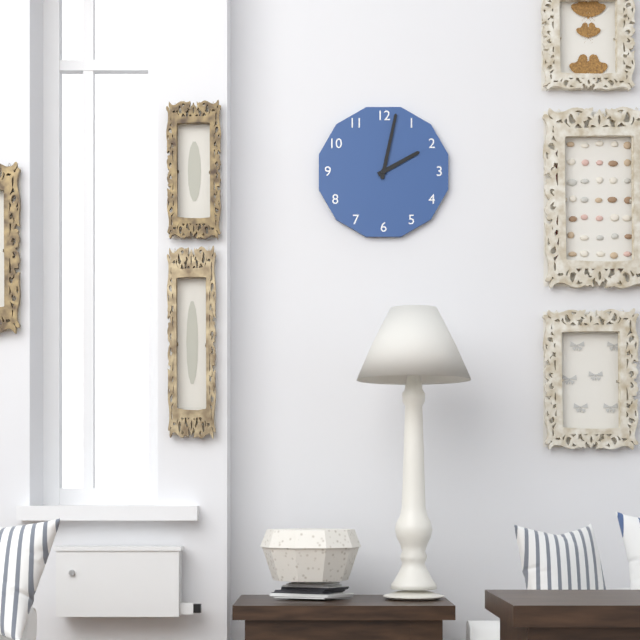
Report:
2,02
